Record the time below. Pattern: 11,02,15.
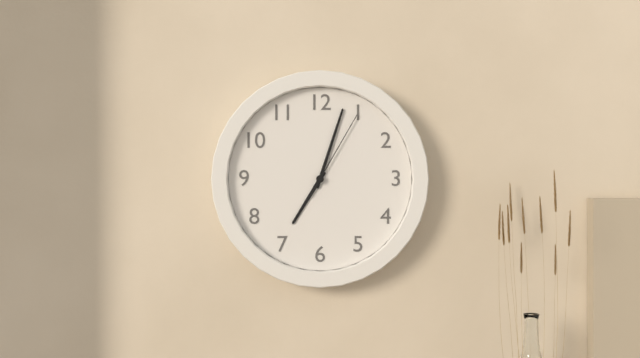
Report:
7,03,05
